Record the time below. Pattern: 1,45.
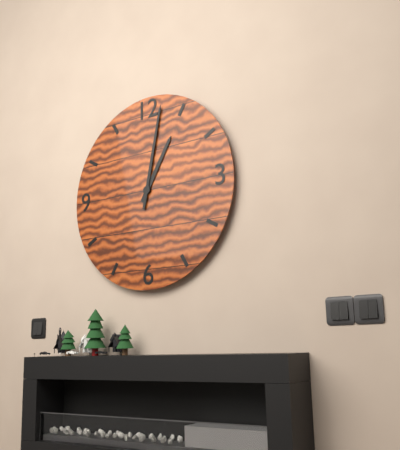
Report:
1,02
